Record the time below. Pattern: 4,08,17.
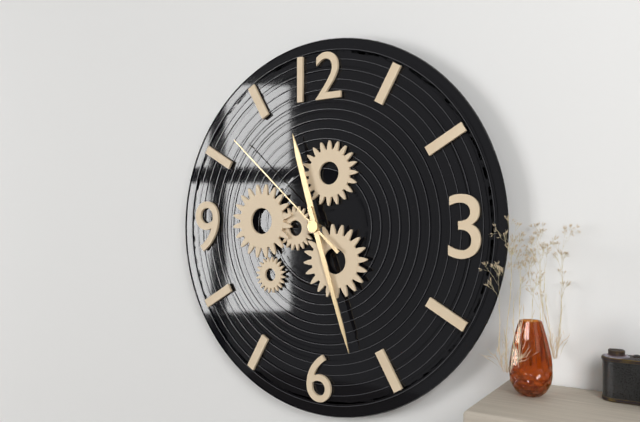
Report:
11,27,52
